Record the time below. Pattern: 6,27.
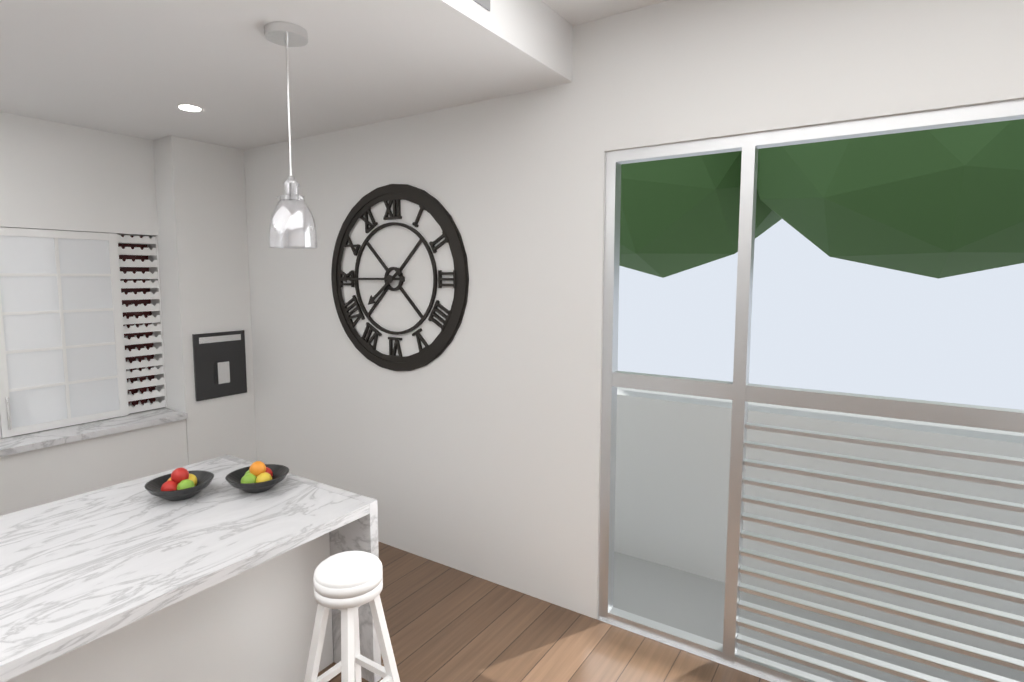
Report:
7,45
